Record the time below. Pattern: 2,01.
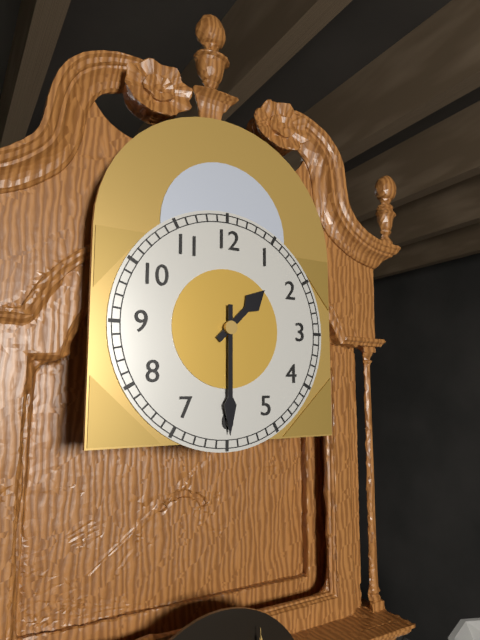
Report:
1,30
